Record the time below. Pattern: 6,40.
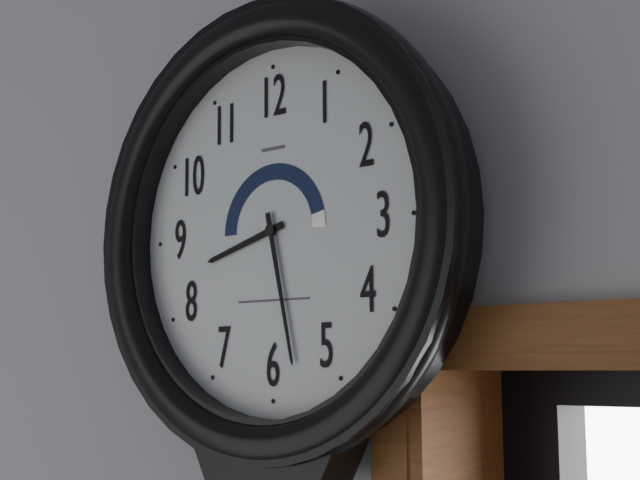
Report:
8,28
